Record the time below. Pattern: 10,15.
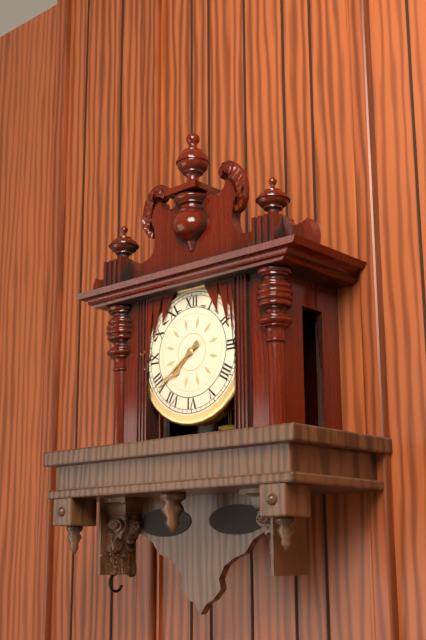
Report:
7,39
